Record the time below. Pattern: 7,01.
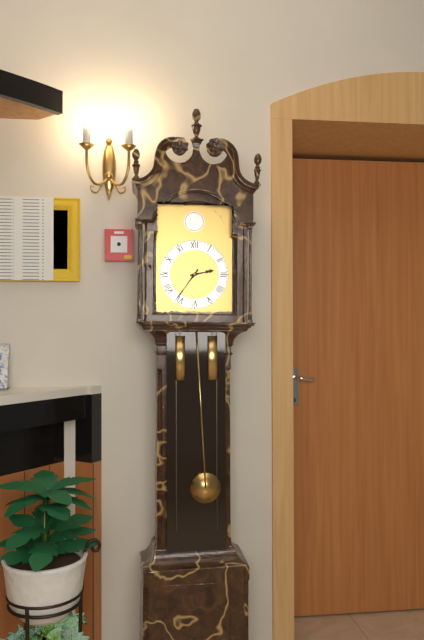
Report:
2,36
